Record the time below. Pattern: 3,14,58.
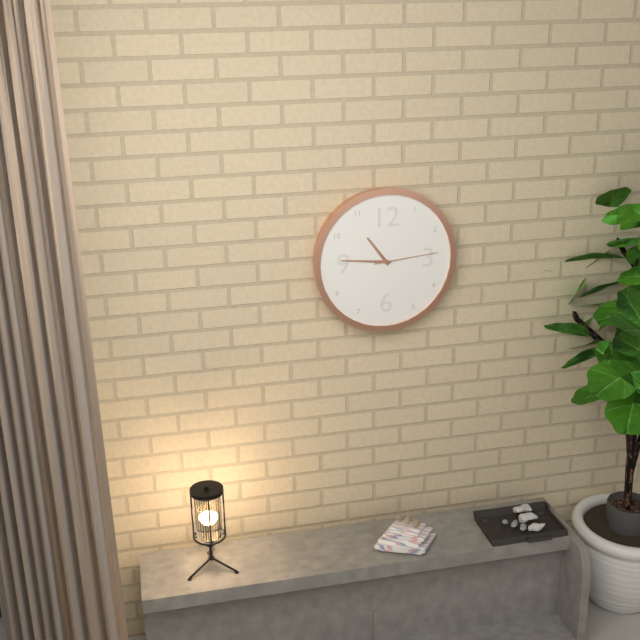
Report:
10,46,14
